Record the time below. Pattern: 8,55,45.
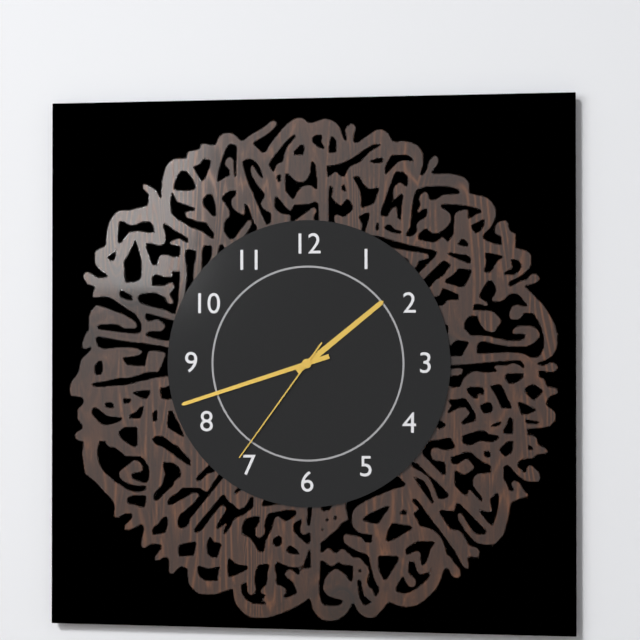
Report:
1,42,36
